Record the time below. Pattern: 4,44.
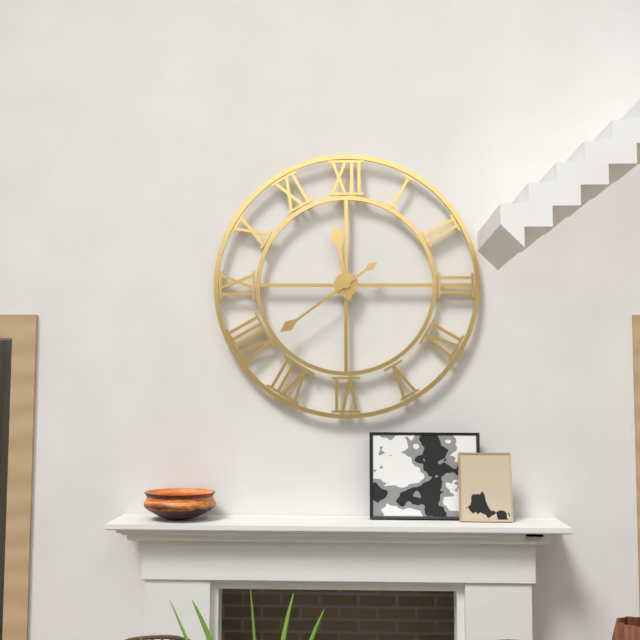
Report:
11,39
